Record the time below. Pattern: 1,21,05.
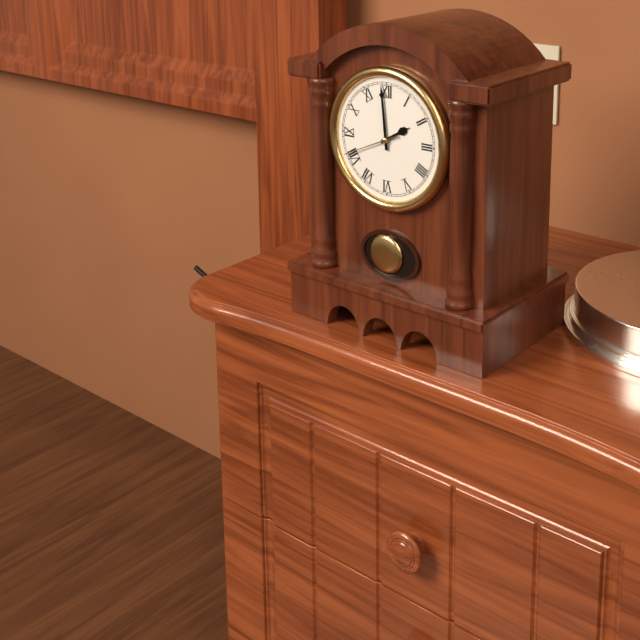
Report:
1,59,41
